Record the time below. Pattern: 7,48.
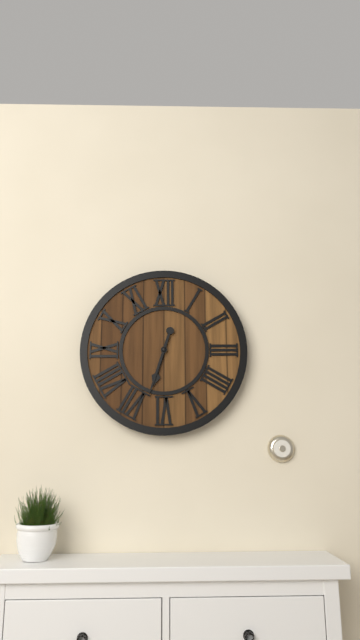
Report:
6,33
